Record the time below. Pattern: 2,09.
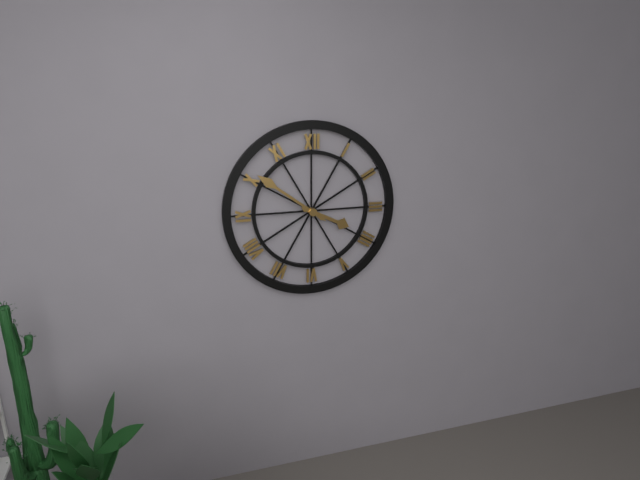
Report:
3,51
